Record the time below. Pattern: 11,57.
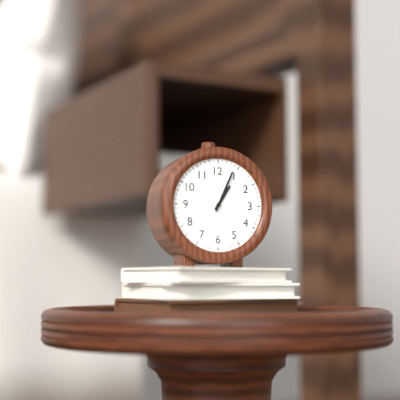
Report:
1,04
